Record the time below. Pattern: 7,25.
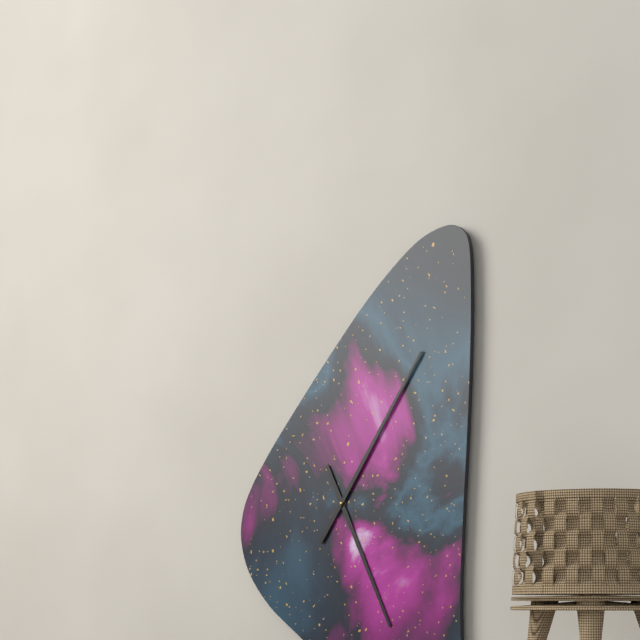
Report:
5,06
